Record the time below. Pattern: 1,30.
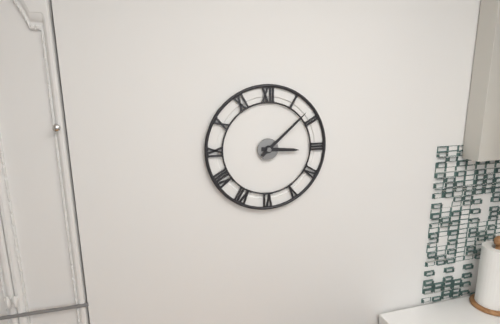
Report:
3,08
